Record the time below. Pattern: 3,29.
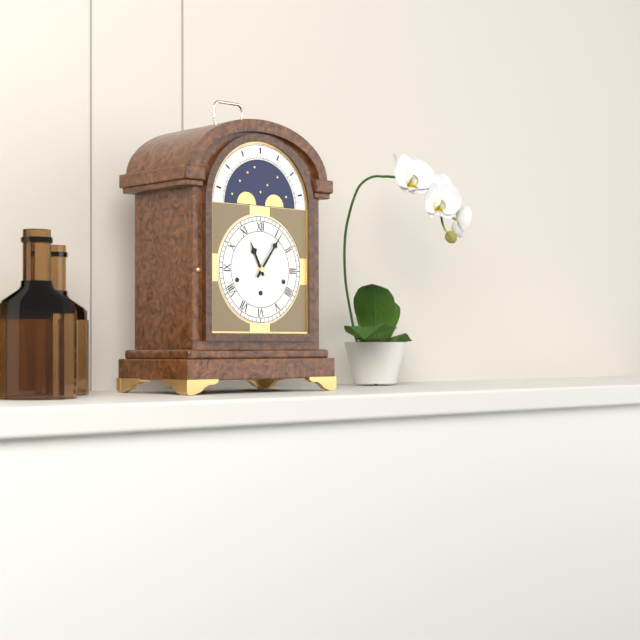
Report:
11,06
